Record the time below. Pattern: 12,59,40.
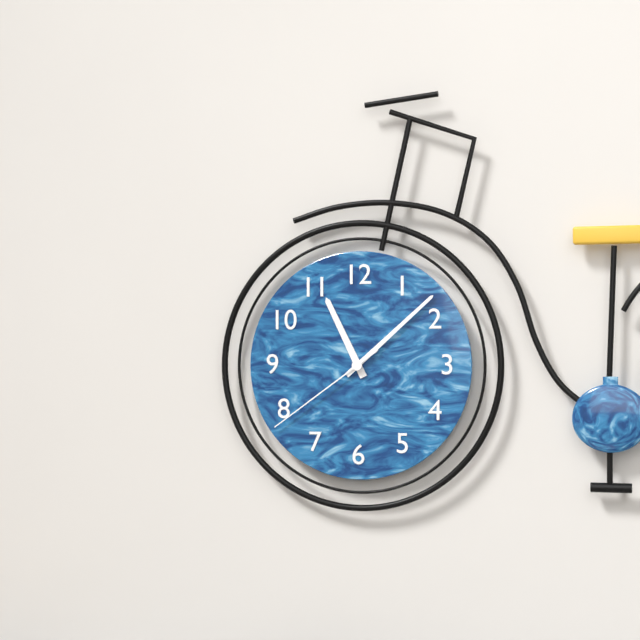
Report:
11,08,39
